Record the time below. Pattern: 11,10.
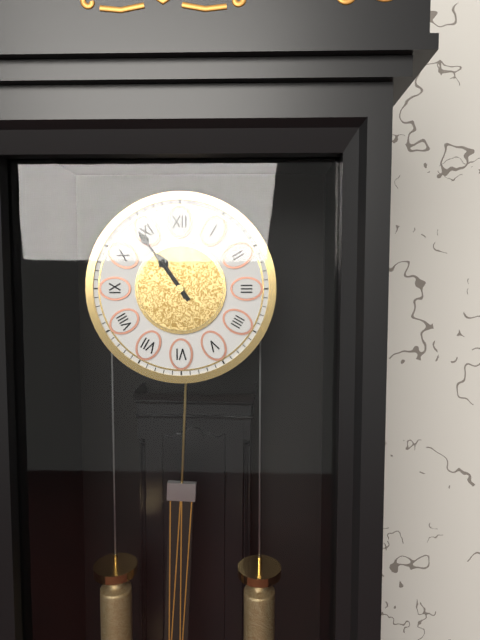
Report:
10,54
